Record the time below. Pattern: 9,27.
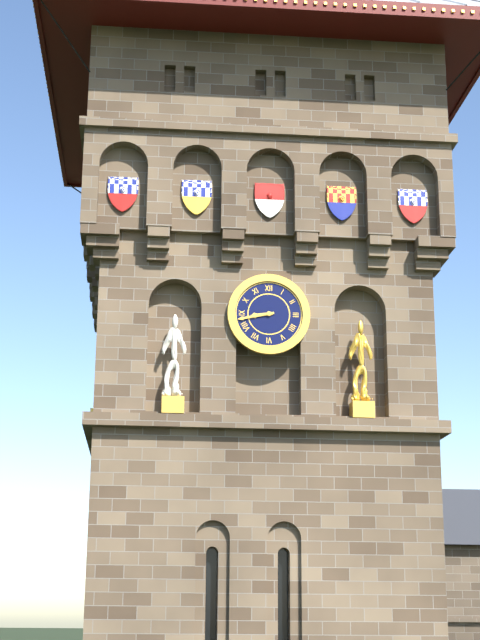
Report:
8,43
